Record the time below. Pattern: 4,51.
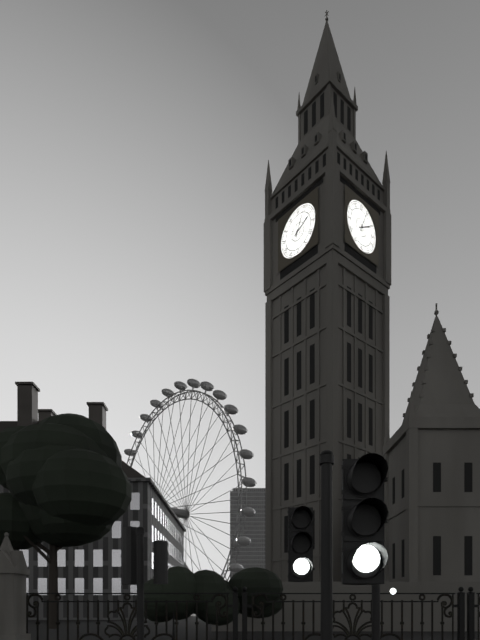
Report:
2,04
